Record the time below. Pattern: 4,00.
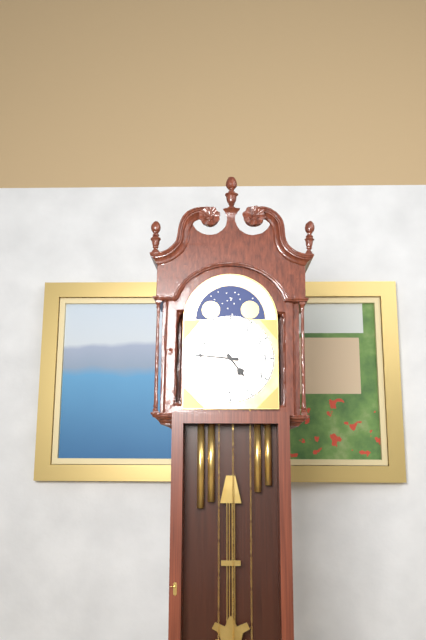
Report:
4,46
